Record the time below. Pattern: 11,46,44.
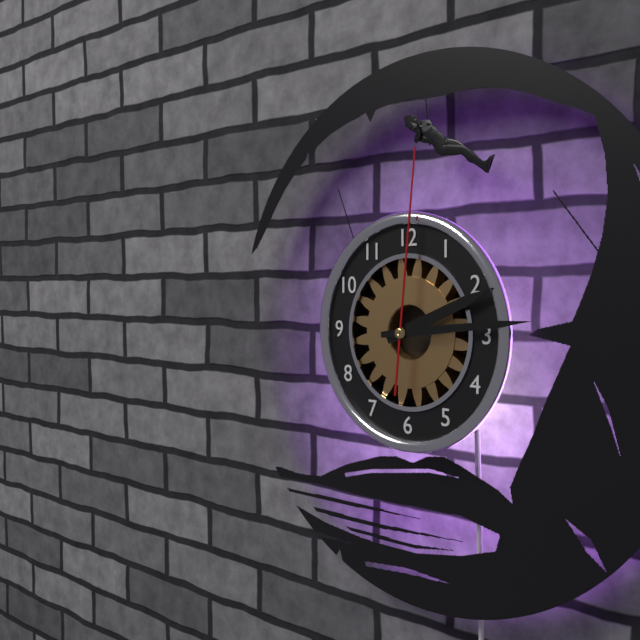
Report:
2,14,01
